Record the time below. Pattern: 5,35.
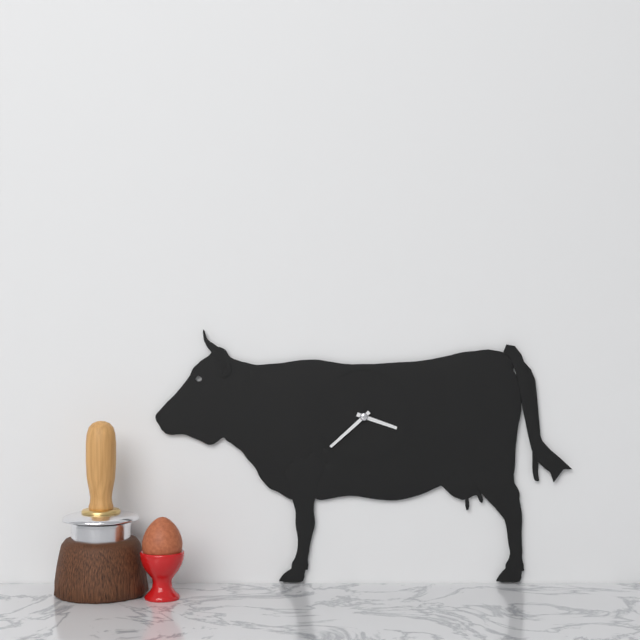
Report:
3,38
